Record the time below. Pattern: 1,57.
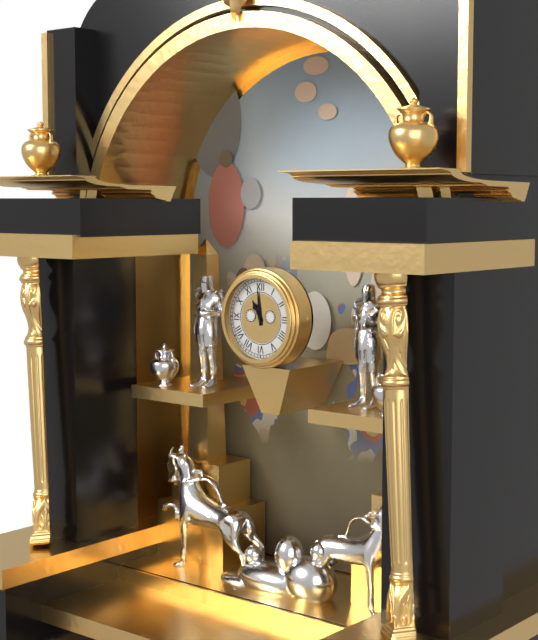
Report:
10,59
